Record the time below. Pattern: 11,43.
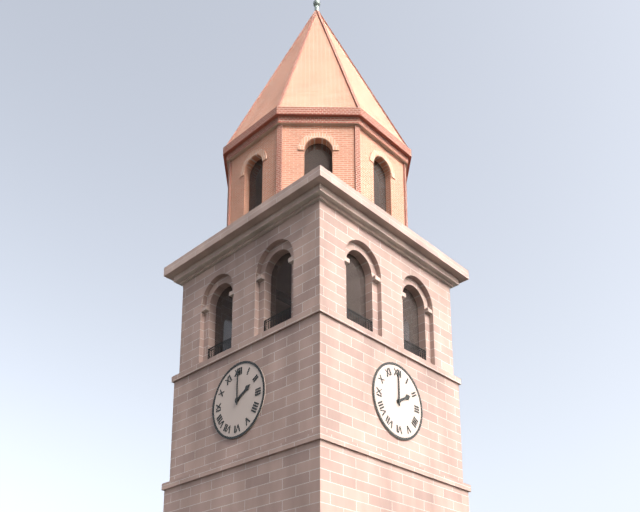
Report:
2,00
